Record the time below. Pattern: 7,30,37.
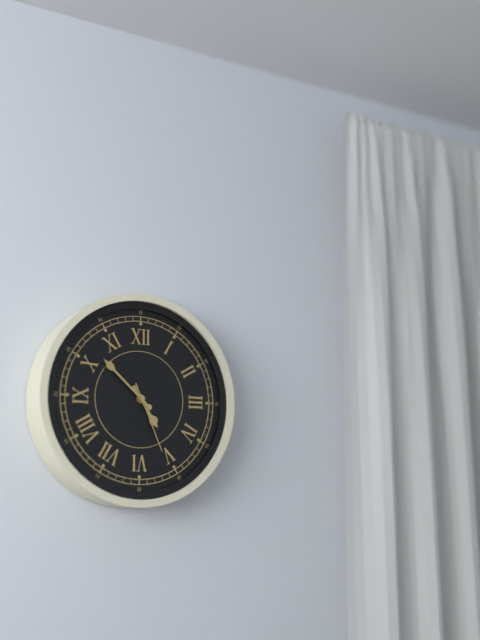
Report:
4,52,26
